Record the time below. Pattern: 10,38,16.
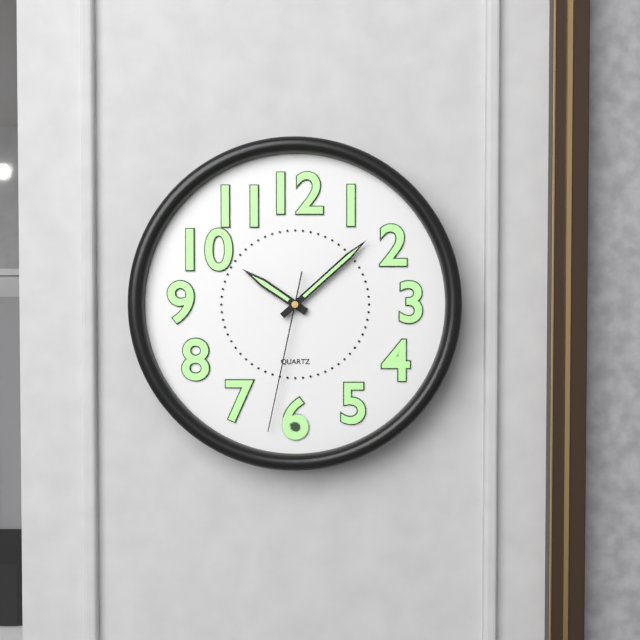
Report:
10,08,32
